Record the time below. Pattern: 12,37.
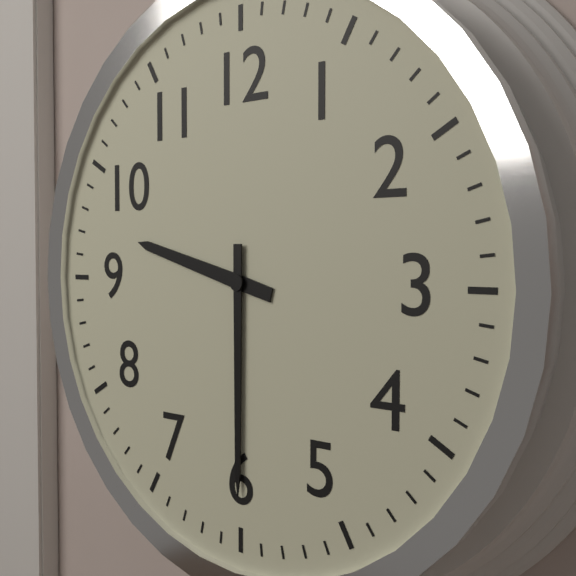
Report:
9,30
